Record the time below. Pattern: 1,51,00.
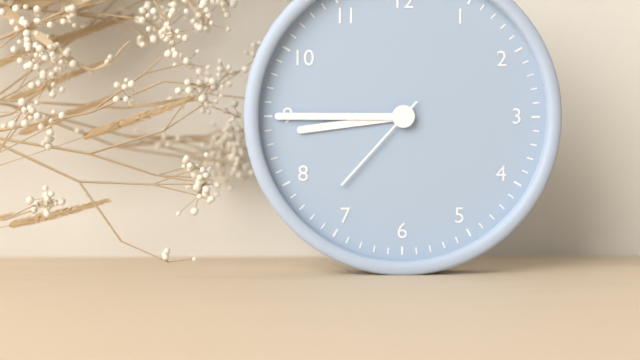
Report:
8,45,37
